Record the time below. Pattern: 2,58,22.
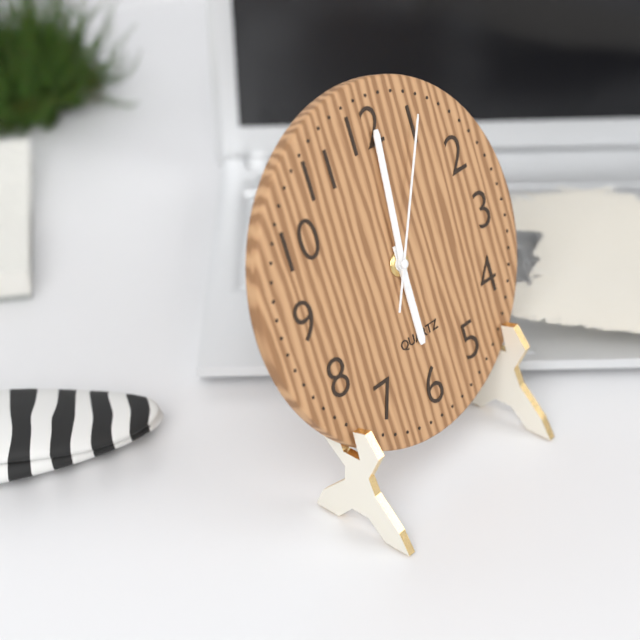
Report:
6,01,05
